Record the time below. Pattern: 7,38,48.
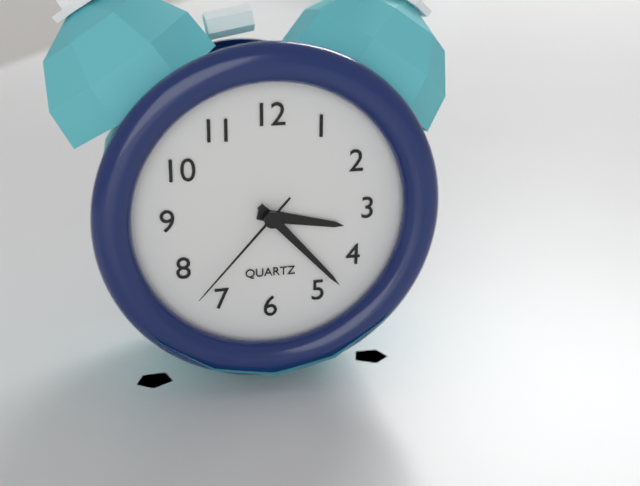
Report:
3,23,37
